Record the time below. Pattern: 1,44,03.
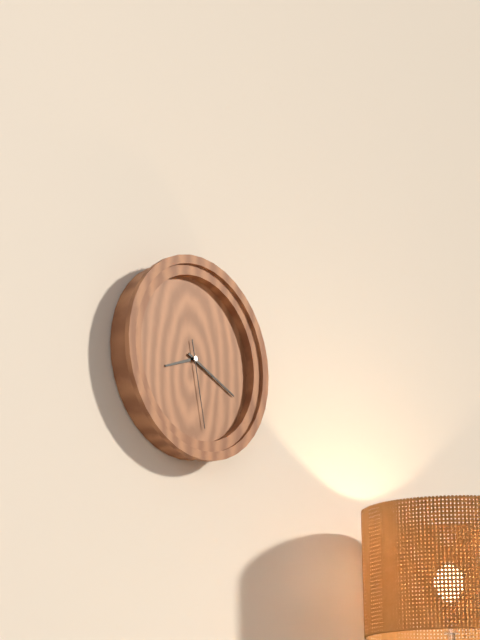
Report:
8,19,28
